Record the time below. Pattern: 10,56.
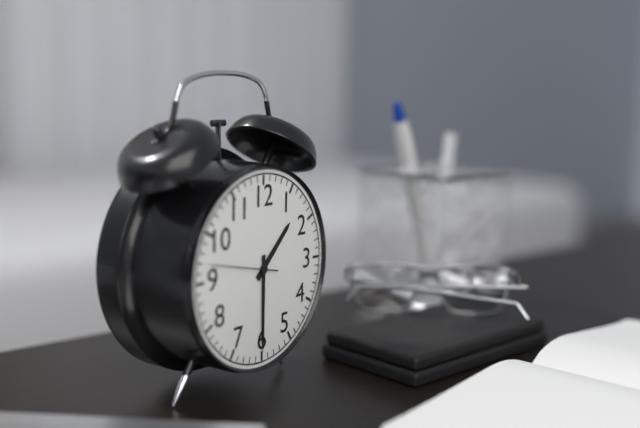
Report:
1,30
